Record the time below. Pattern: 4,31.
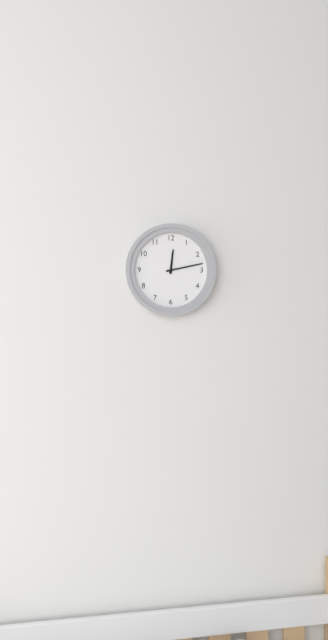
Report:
12,13
